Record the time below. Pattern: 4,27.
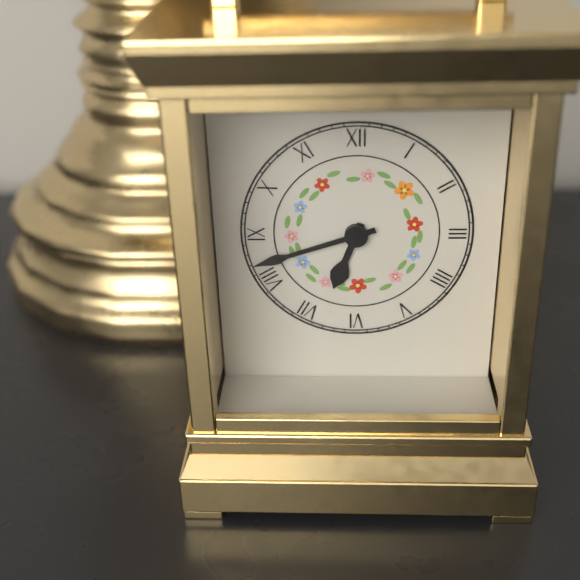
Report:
6,42
